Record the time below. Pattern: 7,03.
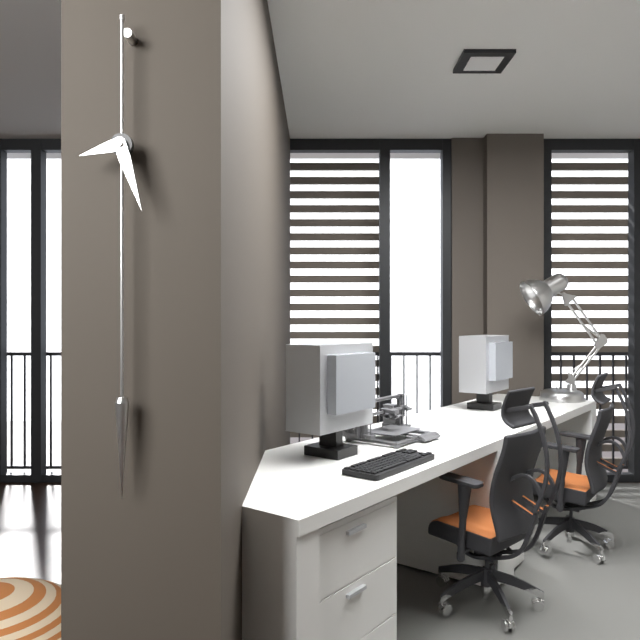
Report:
8,27
